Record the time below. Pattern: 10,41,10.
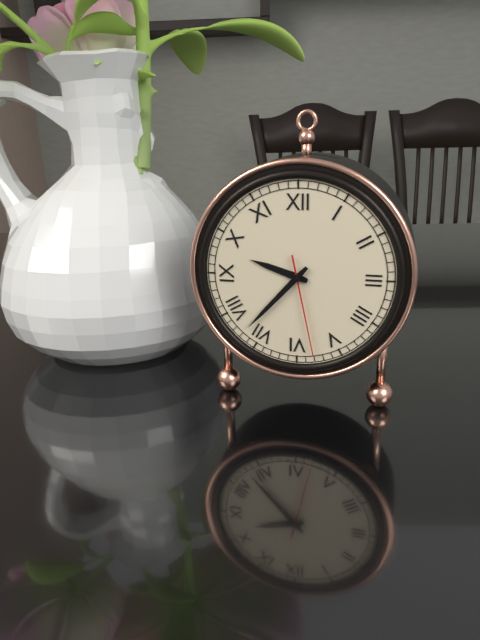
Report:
9,37,28
